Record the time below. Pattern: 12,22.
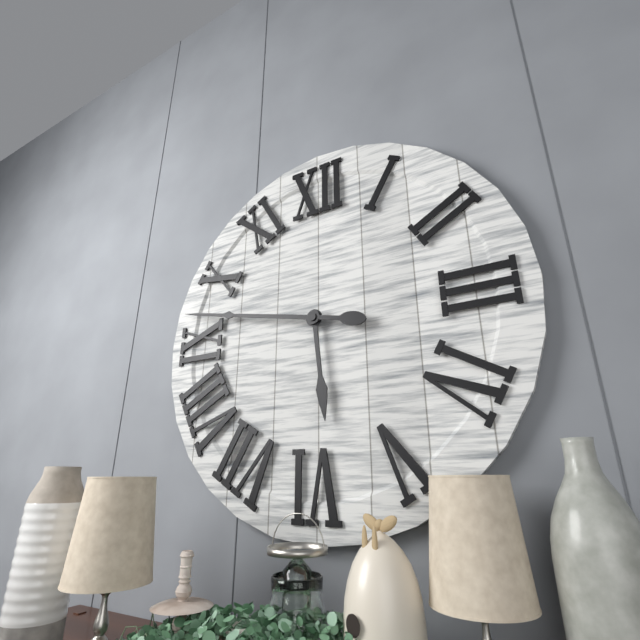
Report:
5,47
